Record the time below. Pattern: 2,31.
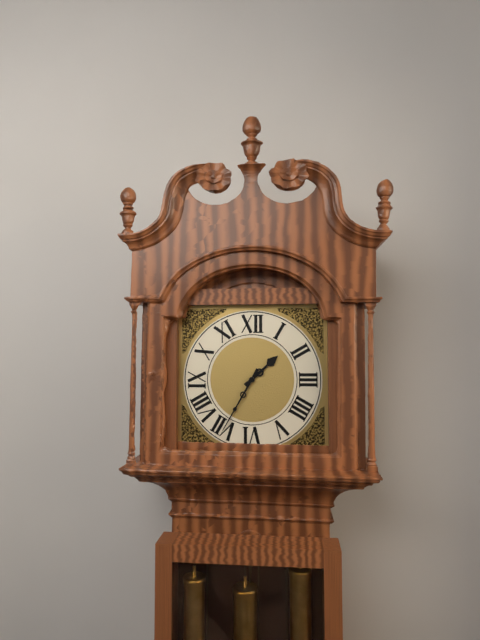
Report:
1,35
